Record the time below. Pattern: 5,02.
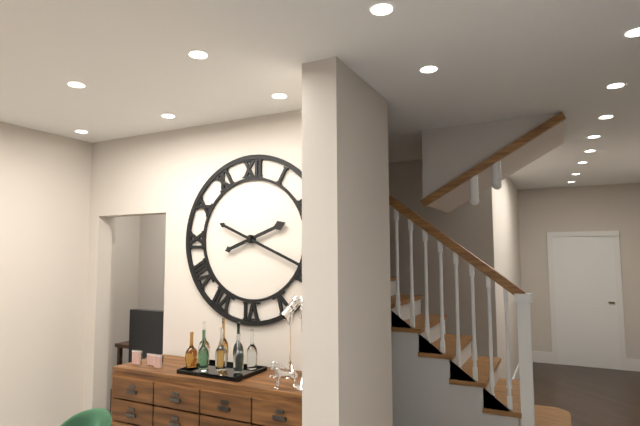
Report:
2,19
